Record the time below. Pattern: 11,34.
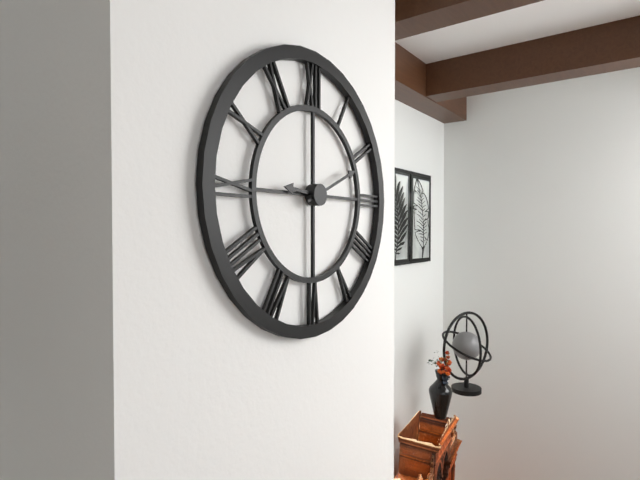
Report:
9,11
